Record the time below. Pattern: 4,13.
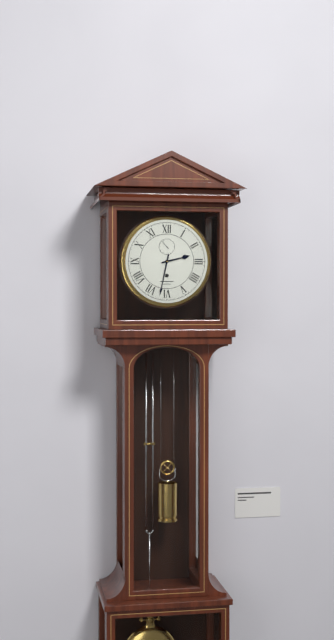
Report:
2,32
